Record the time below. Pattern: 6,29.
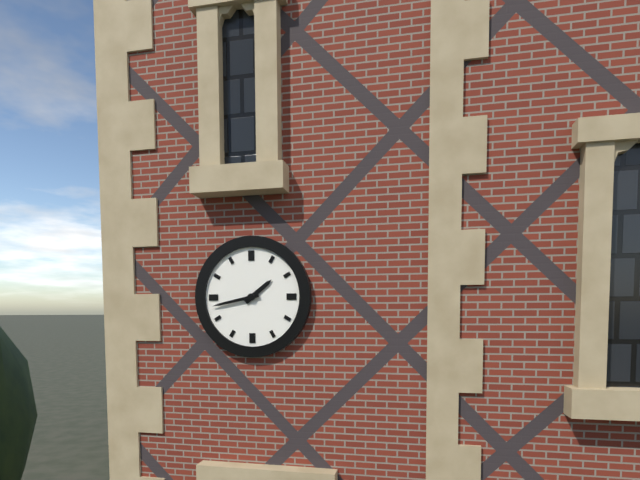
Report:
1,43
